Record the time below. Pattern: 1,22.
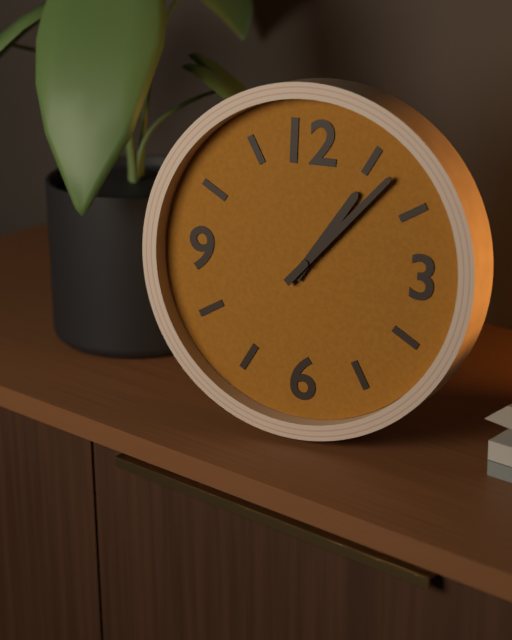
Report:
1,07
